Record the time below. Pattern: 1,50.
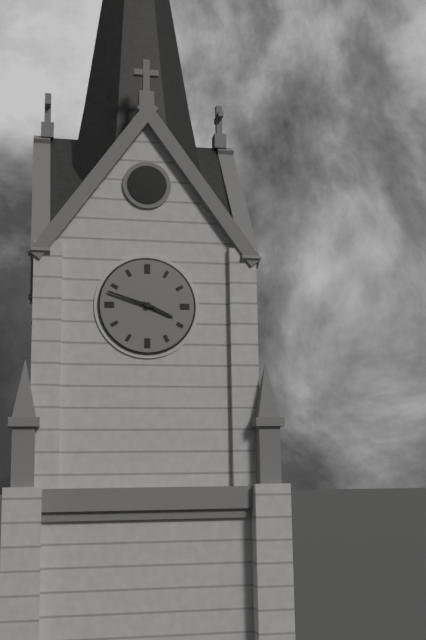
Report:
3,48
